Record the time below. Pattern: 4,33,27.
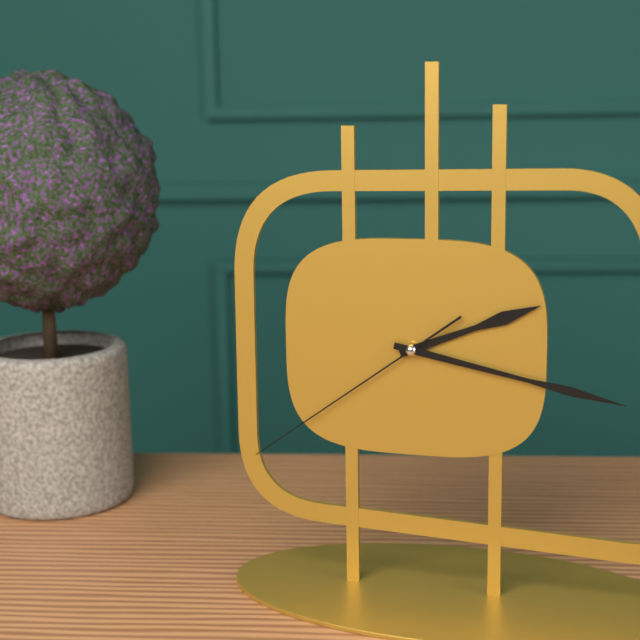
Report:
2,17,39
